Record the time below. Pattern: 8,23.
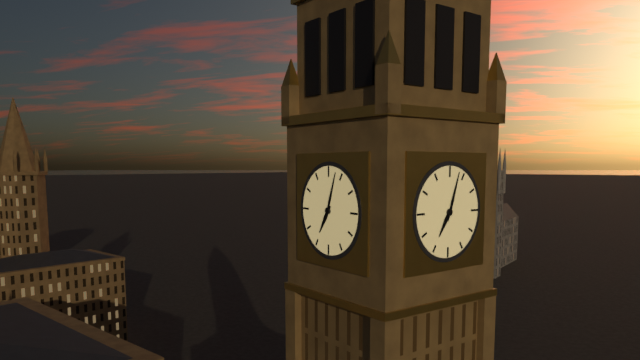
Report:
7,03
